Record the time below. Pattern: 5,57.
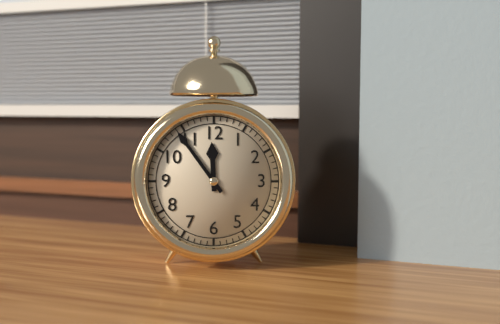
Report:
11,54
